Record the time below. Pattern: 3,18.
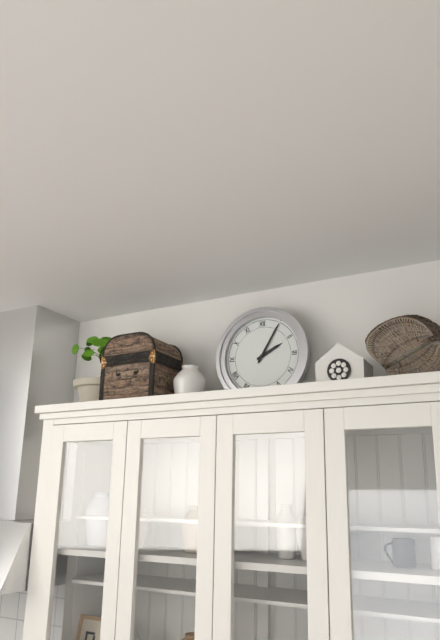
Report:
2,05
